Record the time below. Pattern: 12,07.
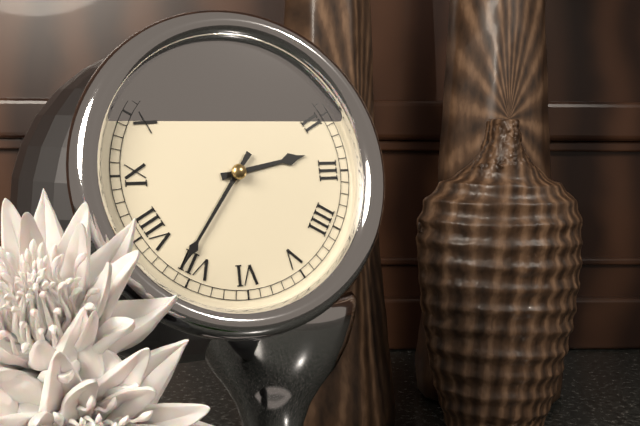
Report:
2,36
